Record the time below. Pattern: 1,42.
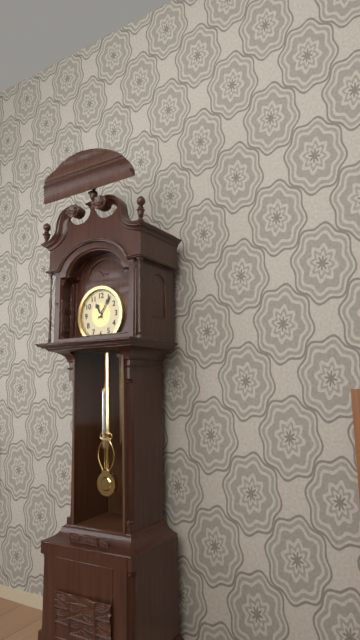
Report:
11,06
